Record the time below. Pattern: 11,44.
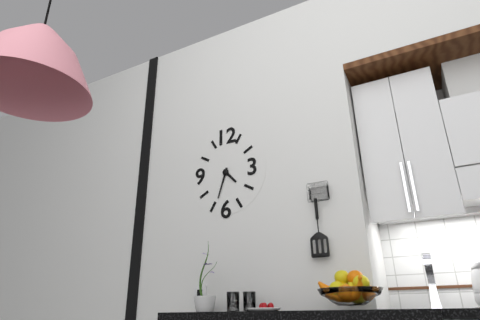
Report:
4,33
